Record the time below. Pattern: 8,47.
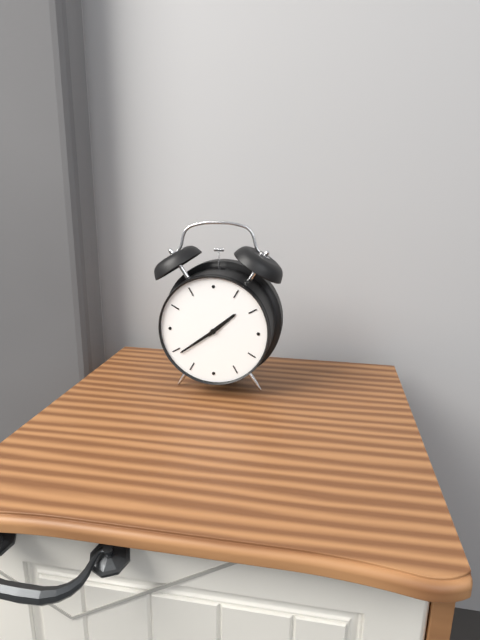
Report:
1,39
